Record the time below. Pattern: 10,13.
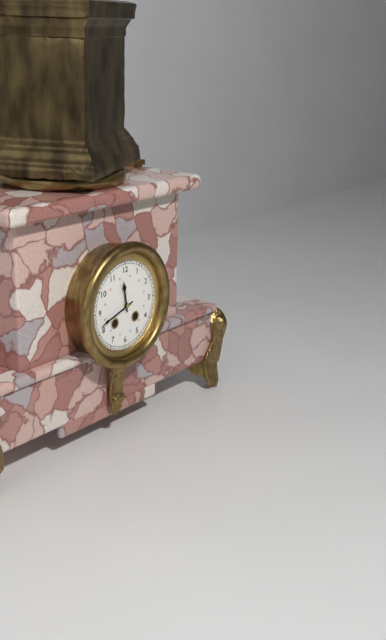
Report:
11,42
